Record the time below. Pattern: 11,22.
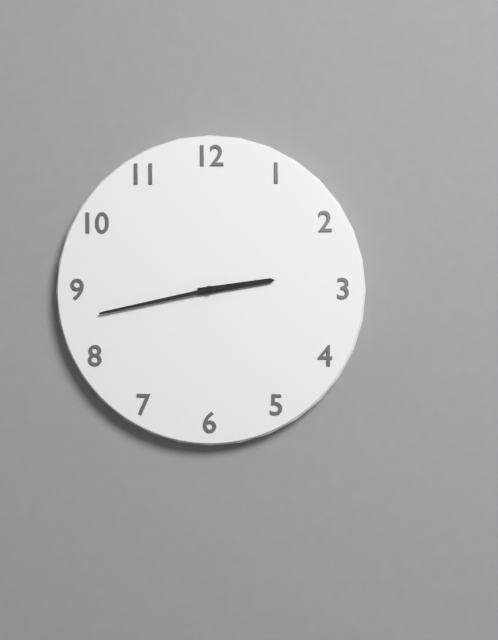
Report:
2,43
